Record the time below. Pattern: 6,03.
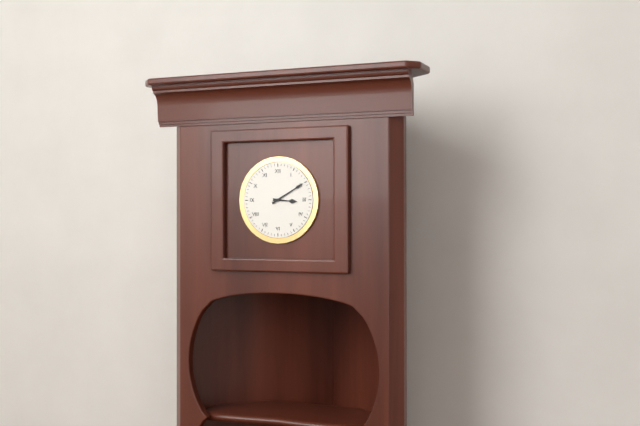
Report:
3,10
